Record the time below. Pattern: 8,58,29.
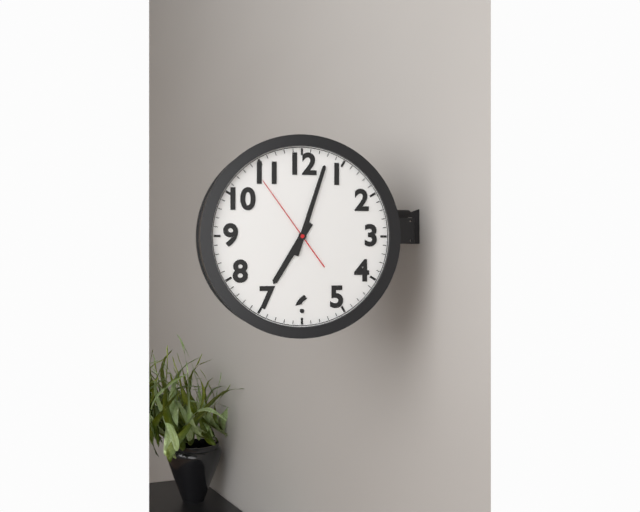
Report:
7,03,54
